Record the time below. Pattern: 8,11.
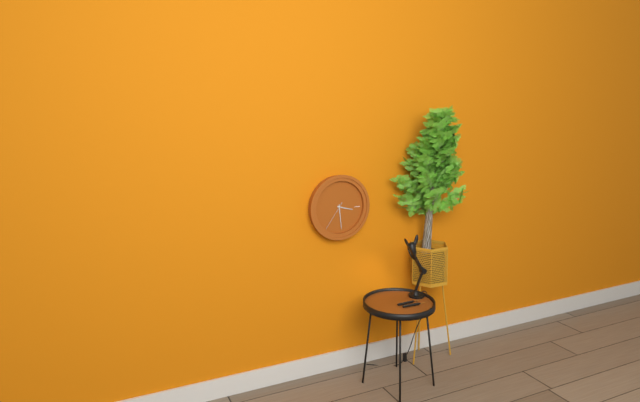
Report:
3,29
